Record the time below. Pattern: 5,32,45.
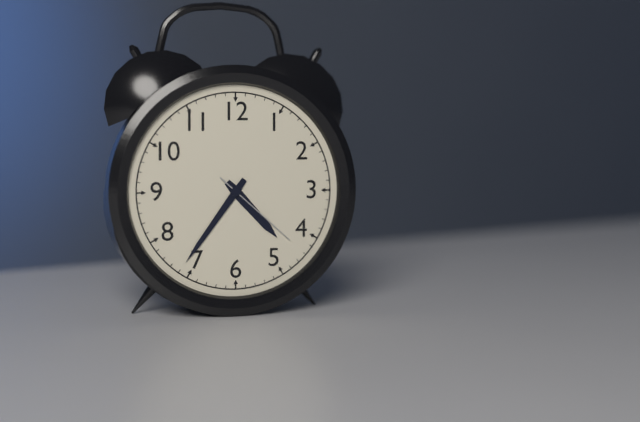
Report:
4,36,22
